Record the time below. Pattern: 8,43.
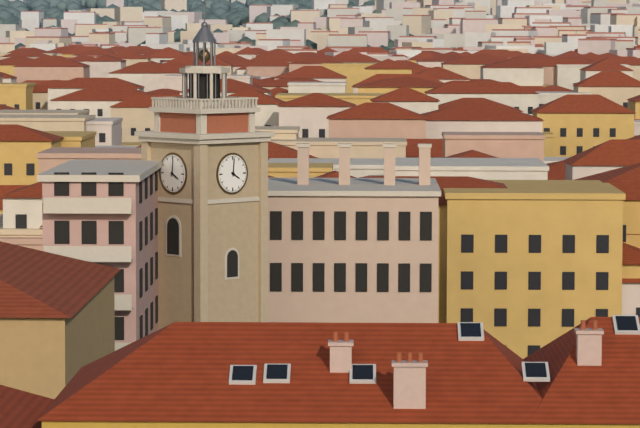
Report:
4,01
